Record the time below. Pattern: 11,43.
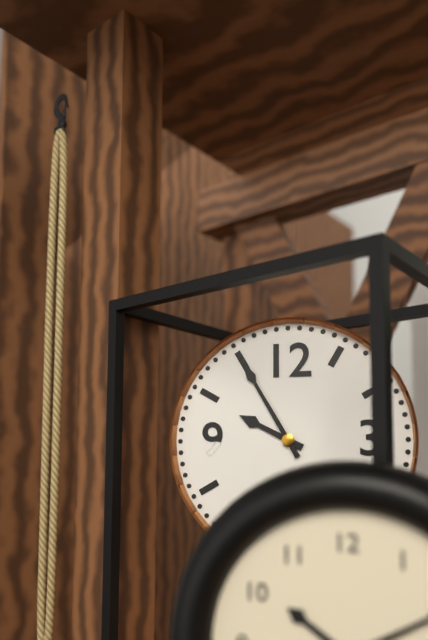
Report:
9,55
